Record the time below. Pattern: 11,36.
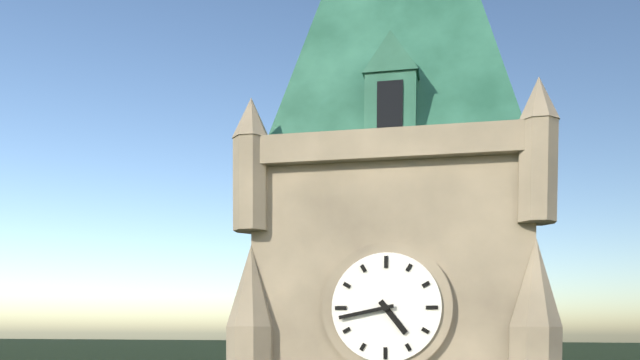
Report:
4,43
